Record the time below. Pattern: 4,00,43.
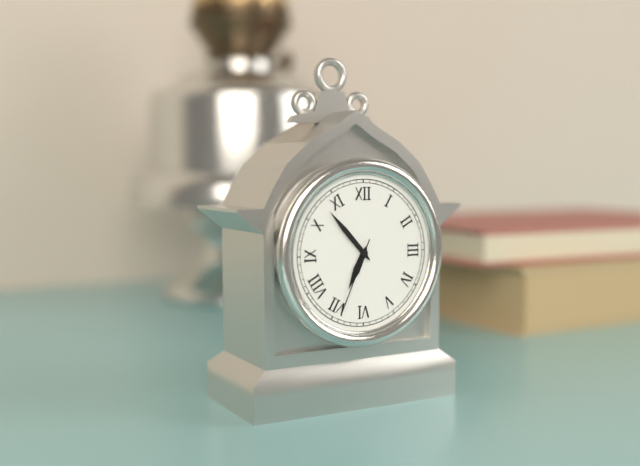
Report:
6,53,34
